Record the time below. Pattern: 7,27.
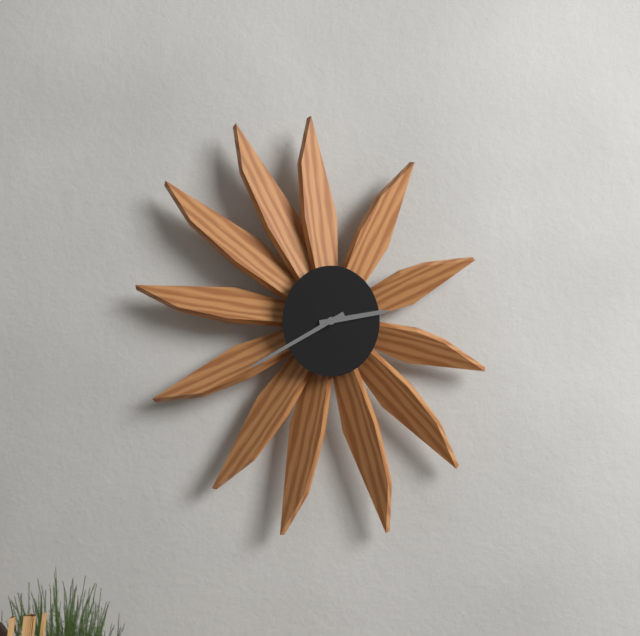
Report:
2,40
